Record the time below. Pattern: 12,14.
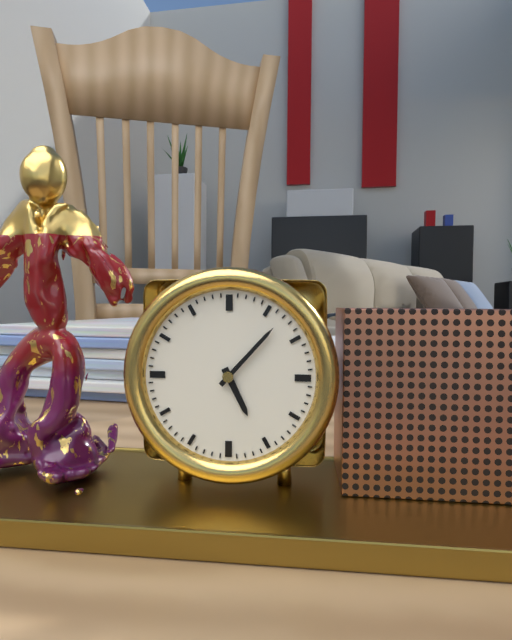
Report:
5,07
